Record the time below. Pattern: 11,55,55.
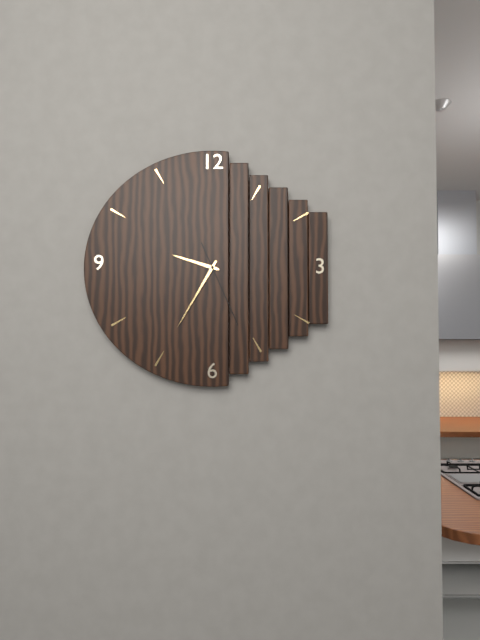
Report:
9,35,26
